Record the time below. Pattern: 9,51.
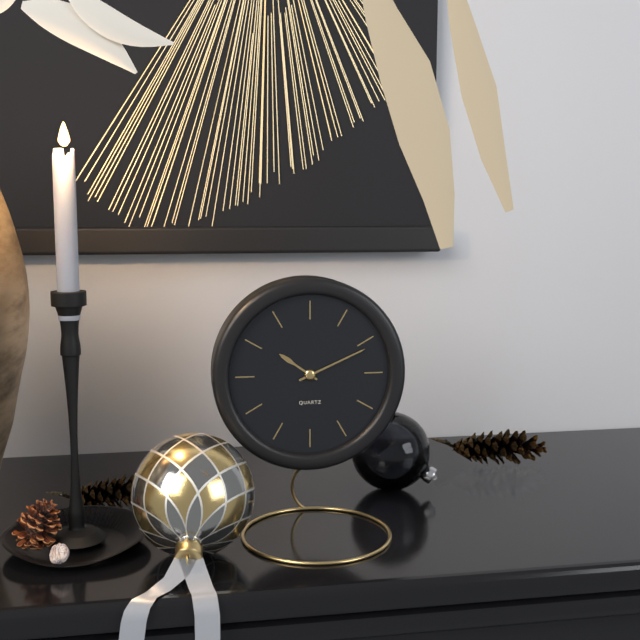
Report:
10,11
